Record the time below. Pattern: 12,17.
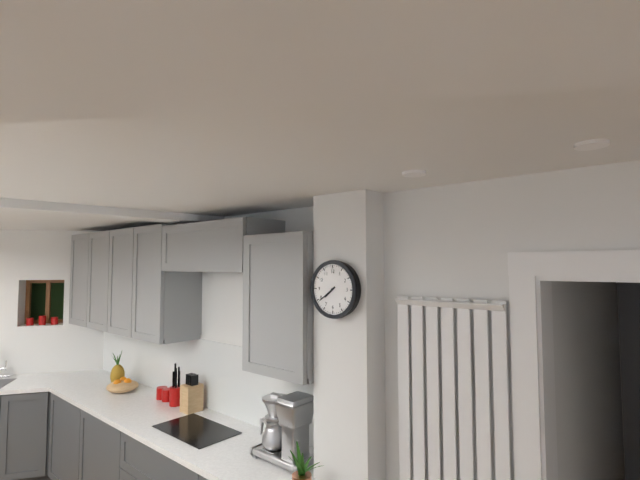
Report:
7,39
